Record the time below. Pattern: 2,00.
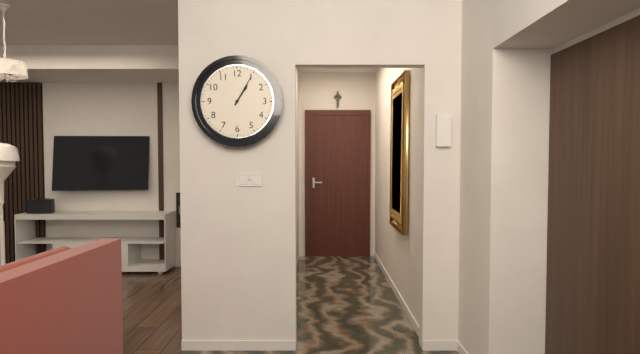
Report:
1,05
